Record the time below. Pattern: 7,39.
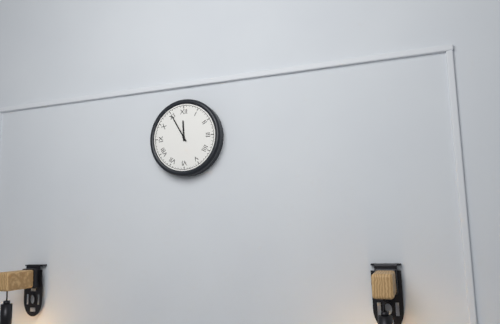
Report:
11,55
